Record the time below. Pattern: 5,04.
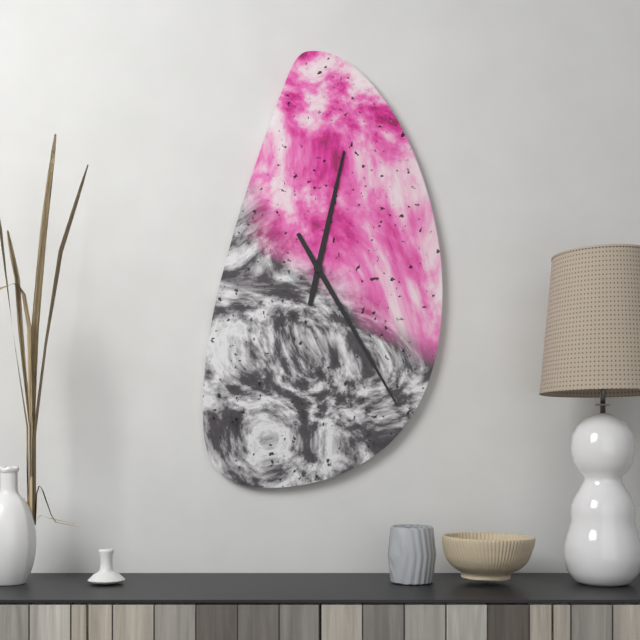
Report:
12,25
